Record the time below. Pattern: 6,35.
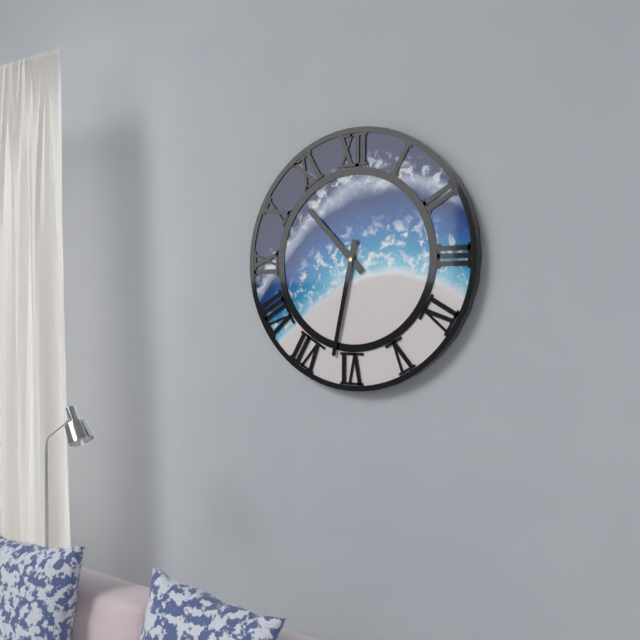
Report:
10,32
